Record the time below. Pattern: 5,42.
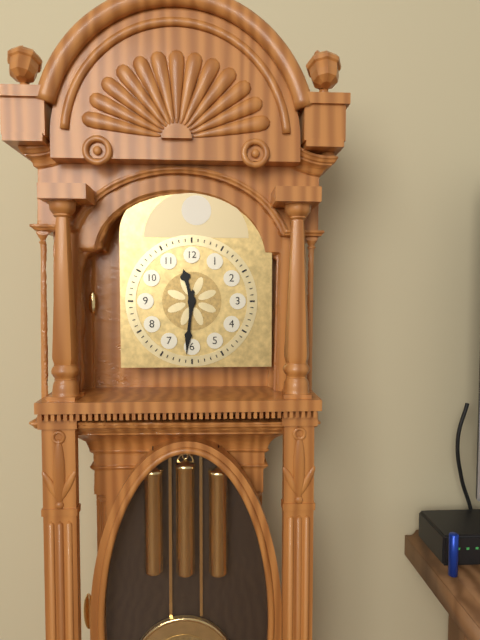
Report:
11,31
